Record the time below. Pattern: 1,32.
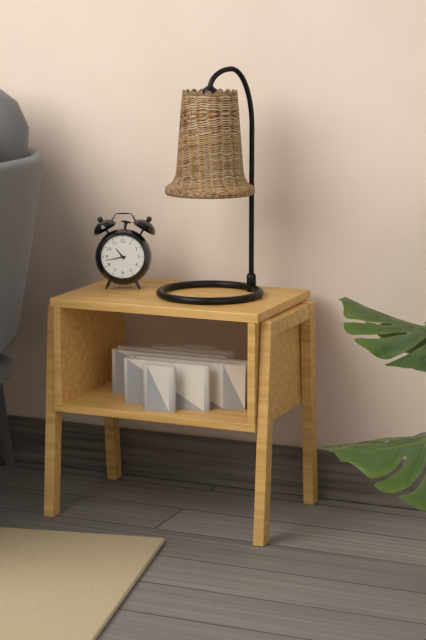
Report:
10,43
